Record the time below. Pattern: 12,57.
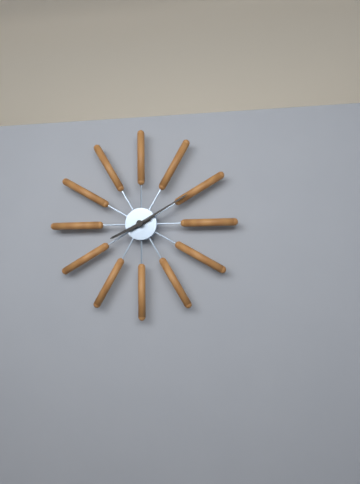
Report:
8,10
